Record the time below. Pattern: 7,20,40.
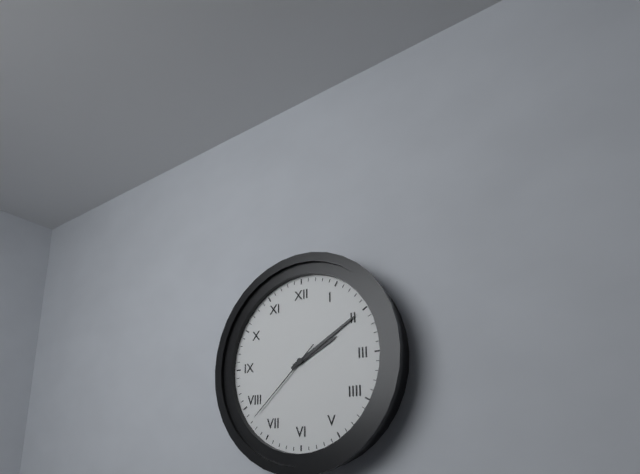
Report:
2,10,38
